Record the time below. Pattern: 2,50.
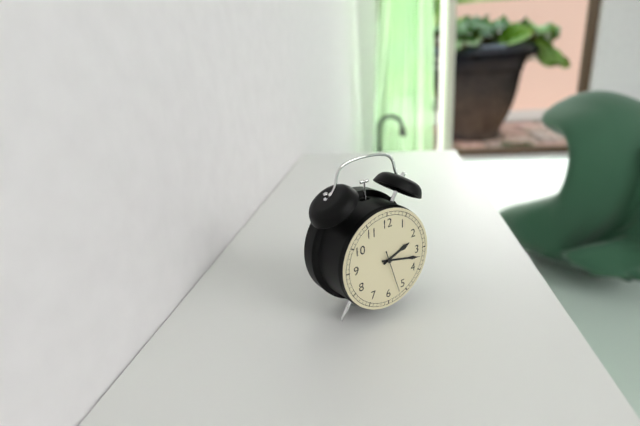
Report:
2,17
